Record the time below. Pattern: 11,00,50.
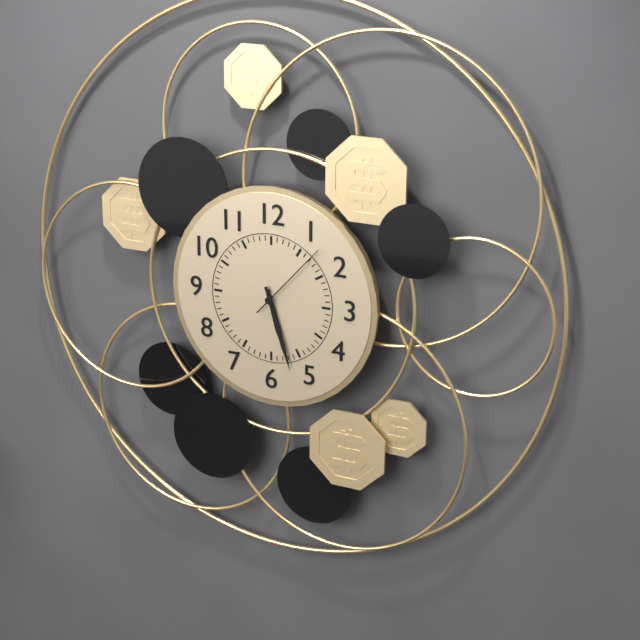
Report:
5,27,07
